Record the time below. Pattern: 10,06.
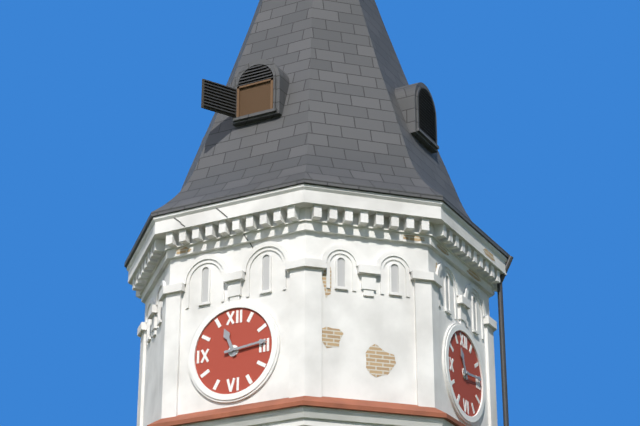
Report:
11,14
